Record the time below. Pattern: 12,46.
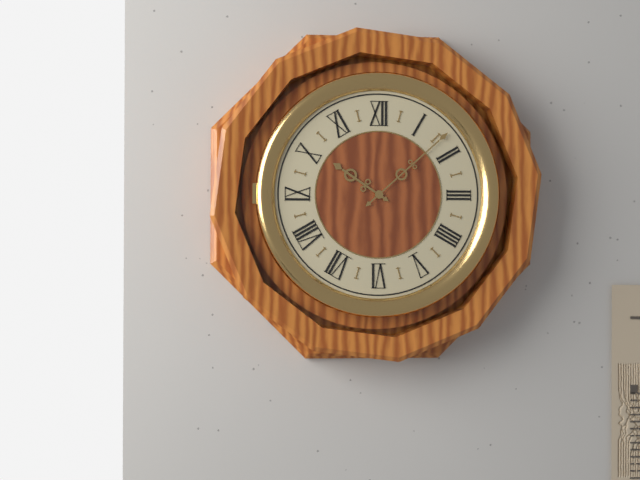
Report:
10,08
